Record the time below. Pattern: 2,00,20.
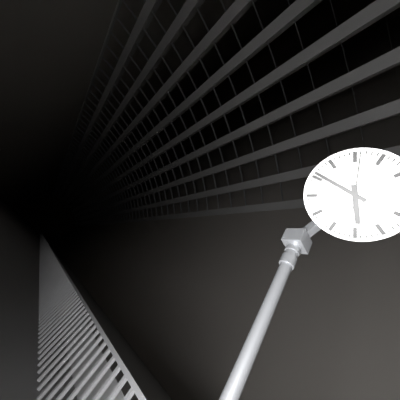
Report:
5,51,01
